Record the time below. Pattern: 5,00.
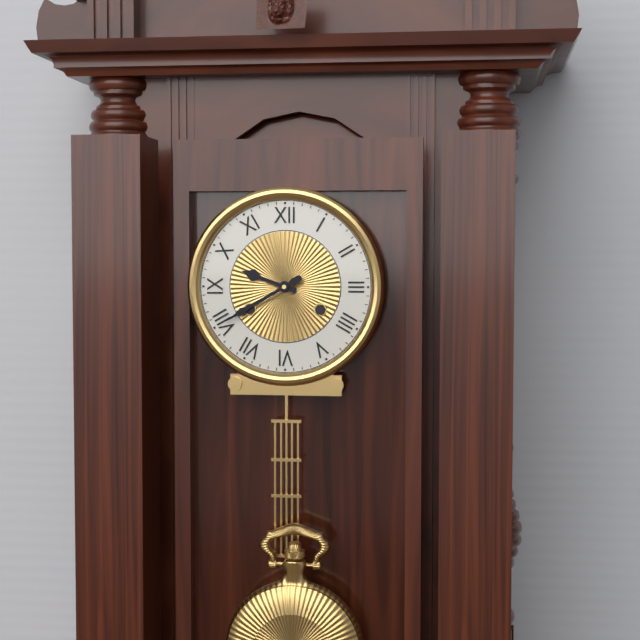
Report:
9,40
